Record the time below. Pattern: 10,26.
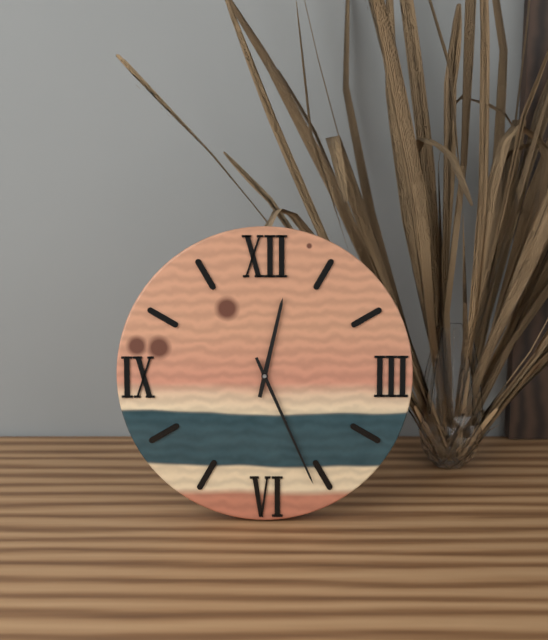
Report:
12,26
